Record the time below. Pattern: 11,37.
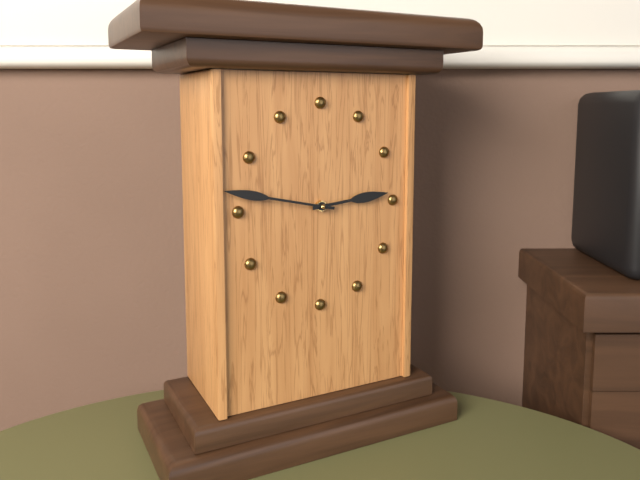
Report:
2,47
